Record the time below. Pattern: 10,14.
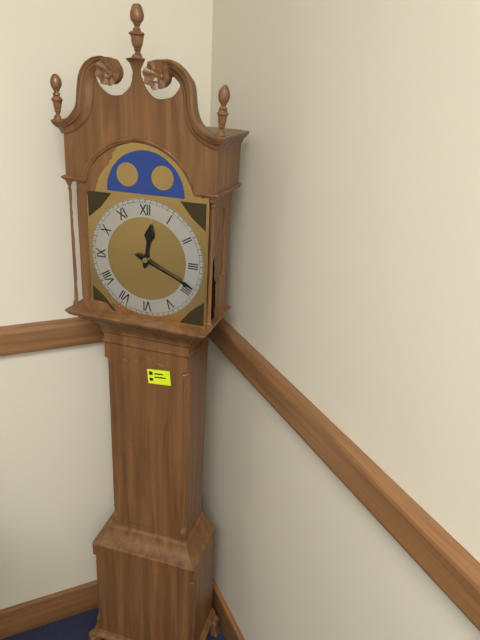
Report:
12,19
